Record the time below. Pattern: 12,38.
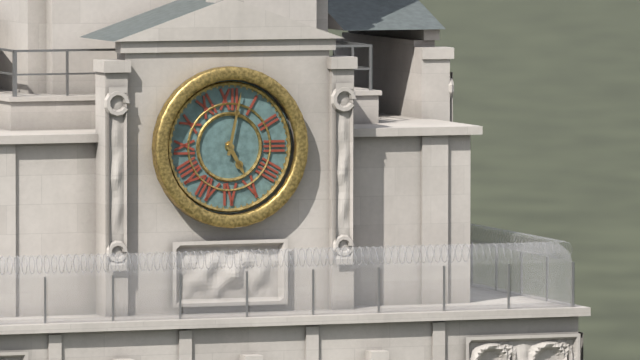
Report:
5,02
